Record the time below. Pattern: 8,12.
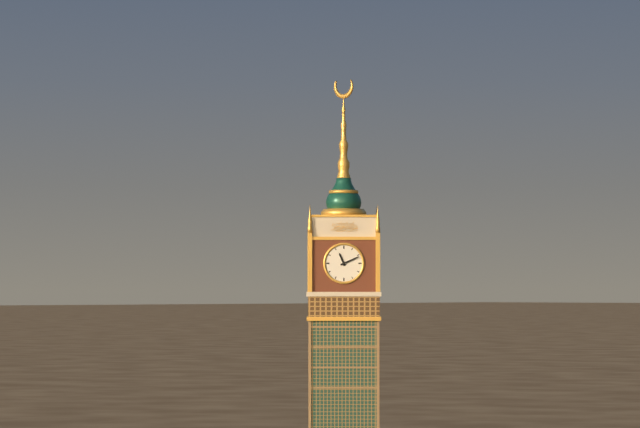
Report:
11,11
